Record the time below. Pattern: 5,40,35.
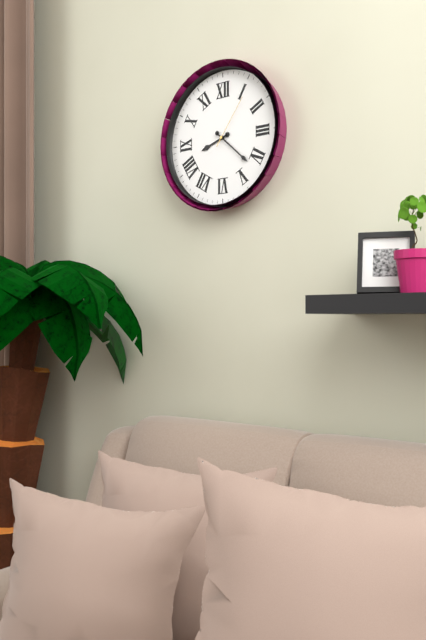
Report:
8,22,06
